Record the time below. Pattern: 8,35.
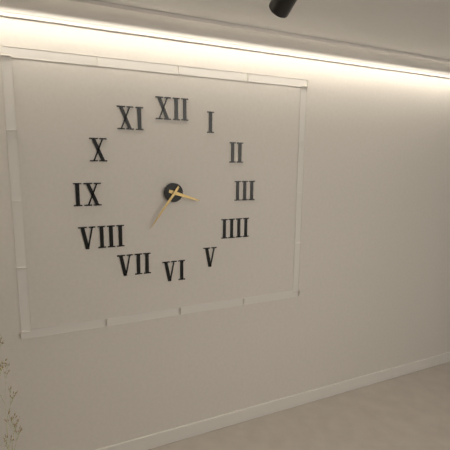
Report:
3,36
